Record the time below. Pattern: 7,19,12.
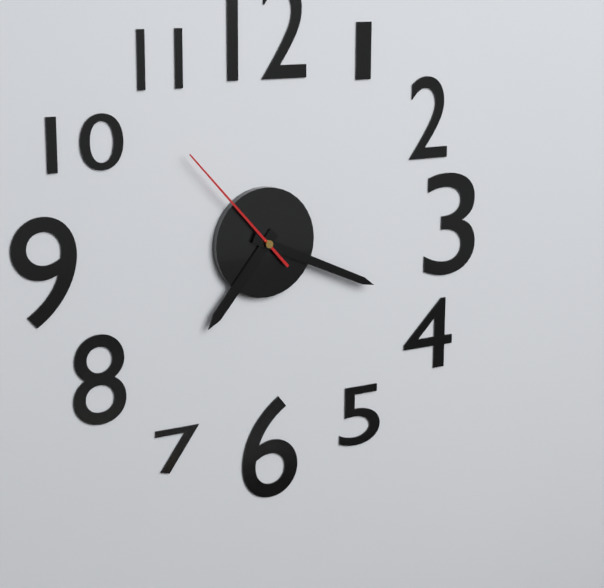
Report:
7,19,53
